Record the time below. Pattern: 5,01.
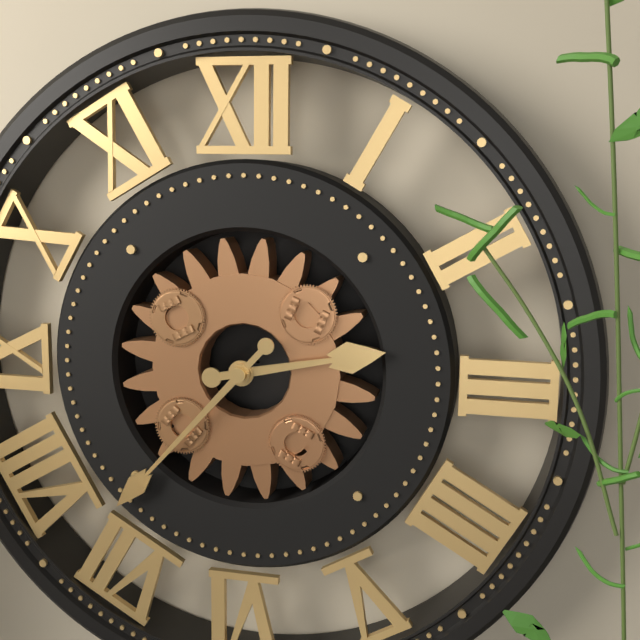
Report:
2,37
